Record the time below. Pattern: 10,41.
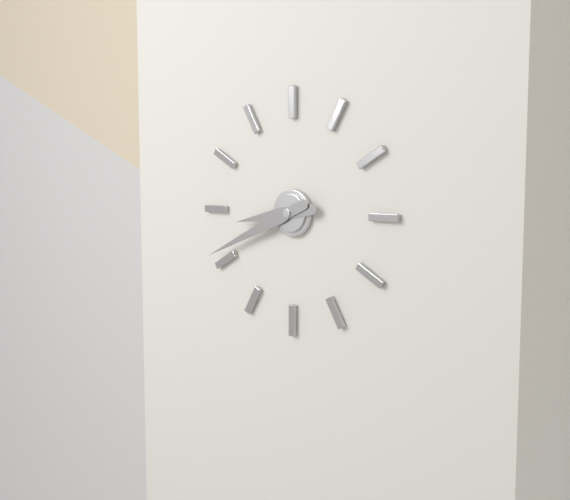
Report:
8,41
